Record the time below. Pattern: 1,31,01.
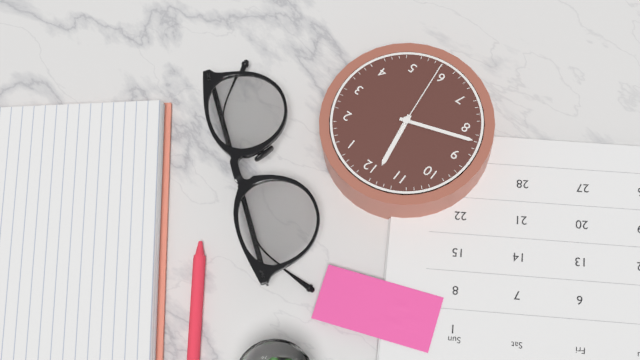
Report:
11,42,29
